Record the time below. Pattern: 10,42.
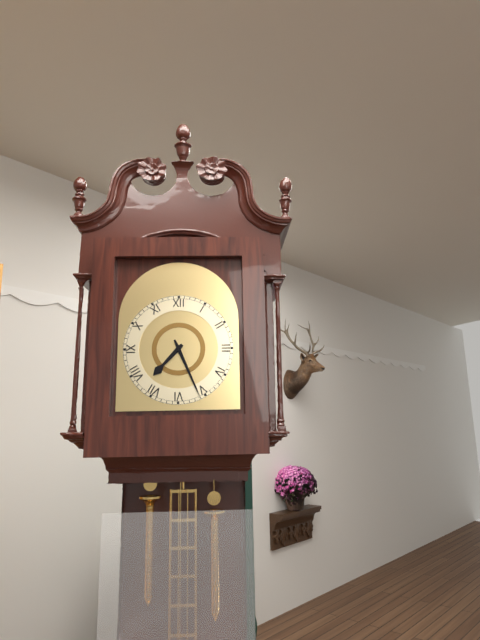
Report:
7,26
